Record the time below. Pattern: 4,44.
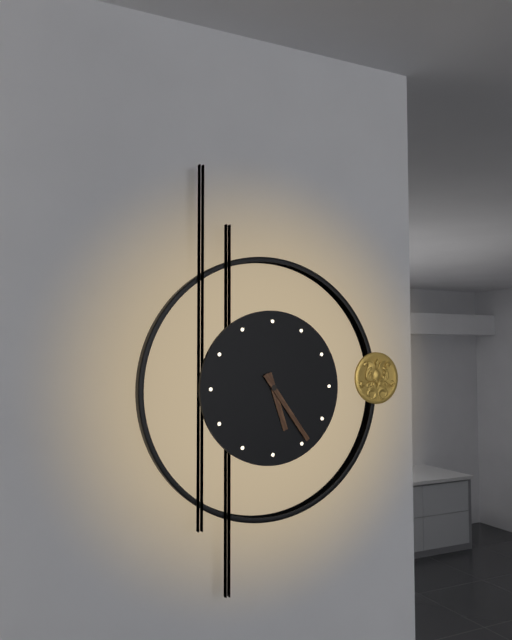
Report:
5,24
